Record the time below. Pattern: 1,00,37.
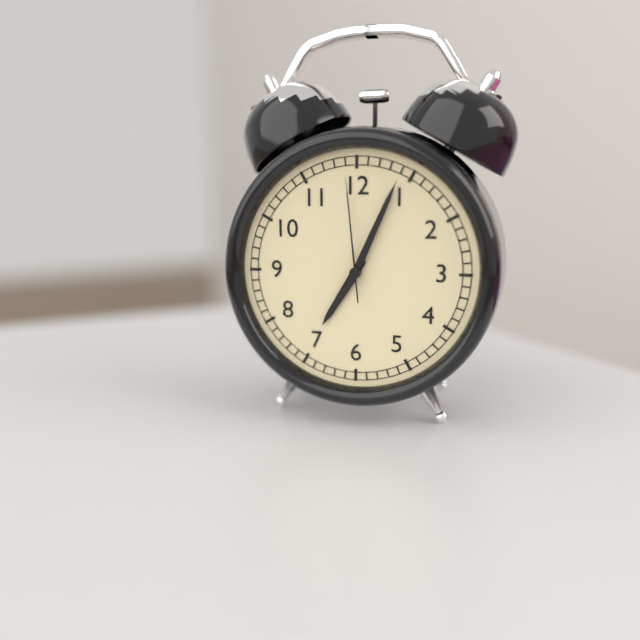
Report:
7,04,59
